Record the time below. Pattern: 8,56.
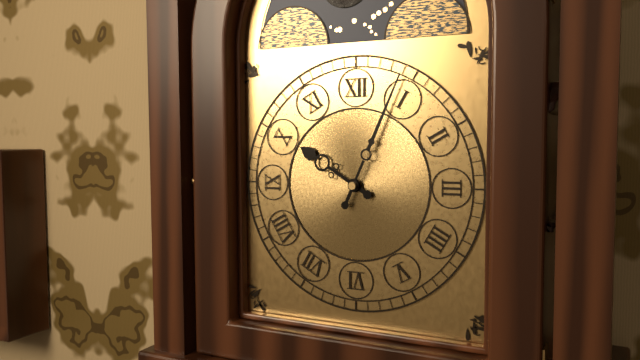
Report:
10,04
